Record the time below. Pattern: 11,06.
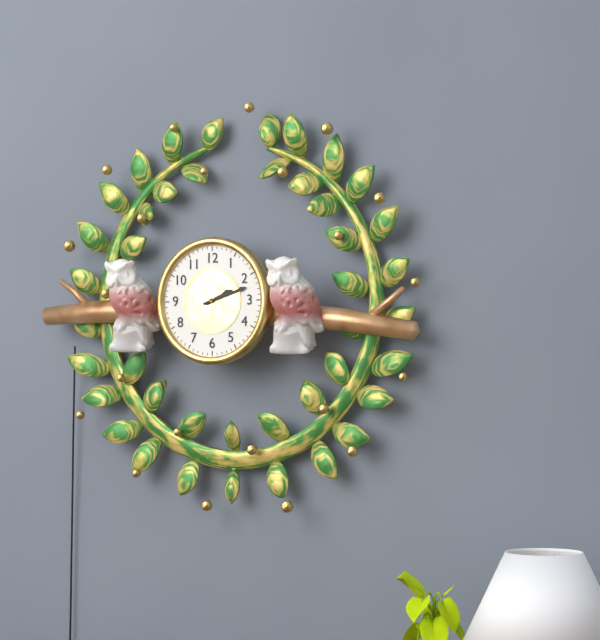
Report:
2,12
